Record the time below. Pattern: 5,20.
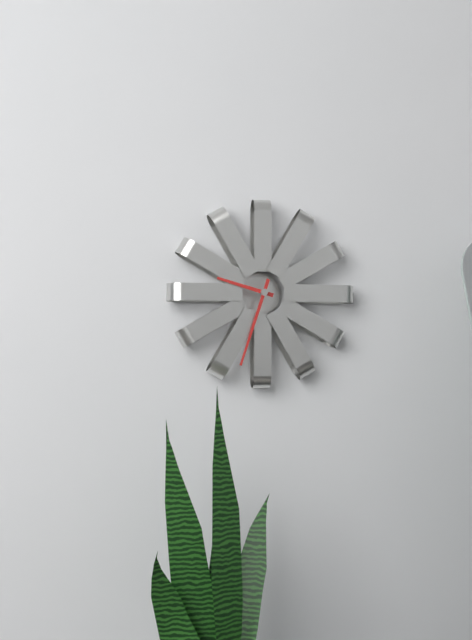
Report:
9,33
